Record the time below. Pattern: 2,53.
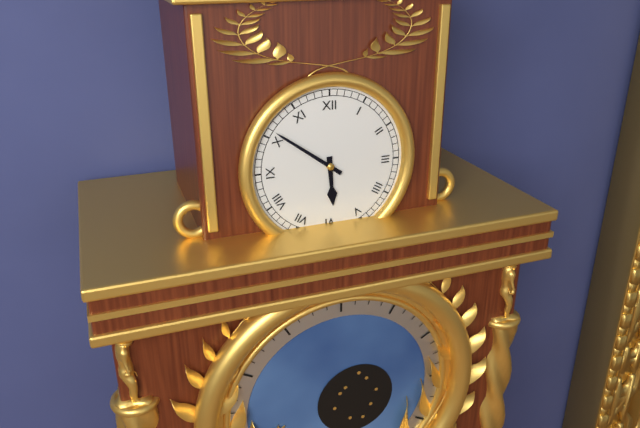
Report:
5,51
